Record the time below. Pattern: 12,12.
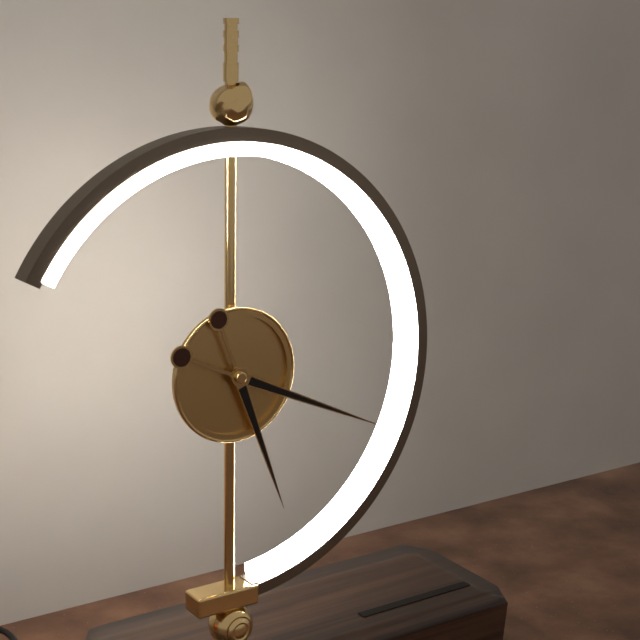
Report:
5,19
